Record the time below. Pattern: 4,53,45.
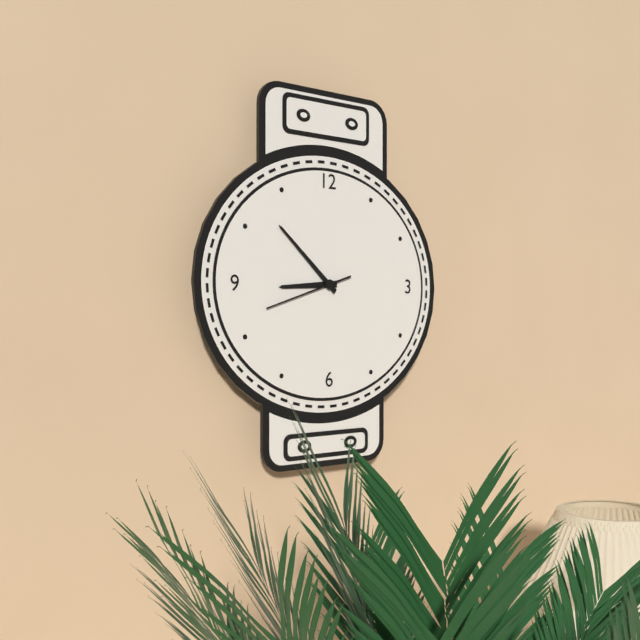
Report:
8,52,42
